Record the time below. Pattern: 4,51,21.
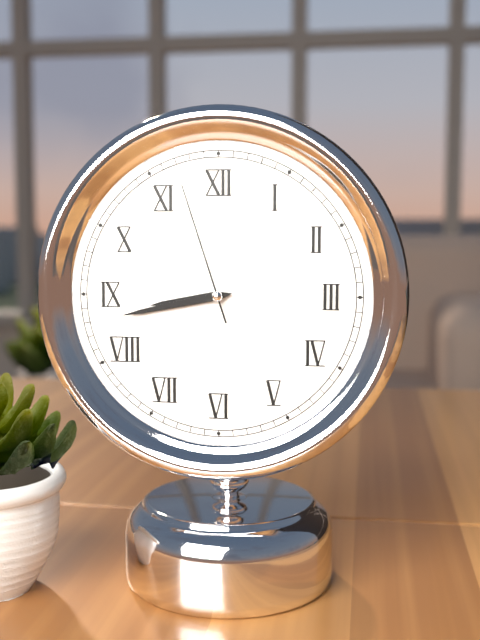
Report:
8,43,57
